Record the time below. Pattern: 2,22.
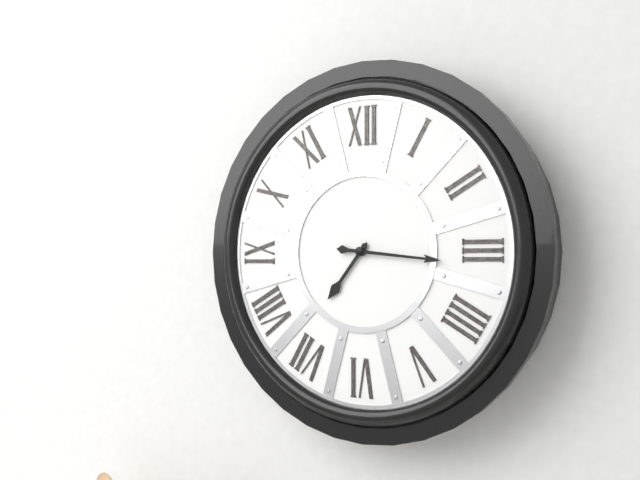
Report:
7,16
